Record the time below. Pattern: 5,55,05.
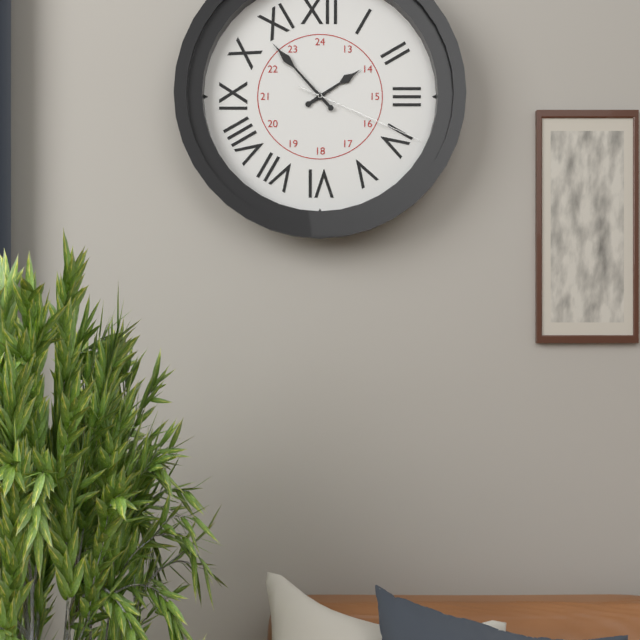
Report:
1,53,19
